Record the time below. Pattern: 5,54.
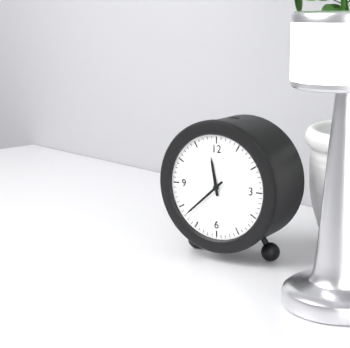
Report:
11,38
